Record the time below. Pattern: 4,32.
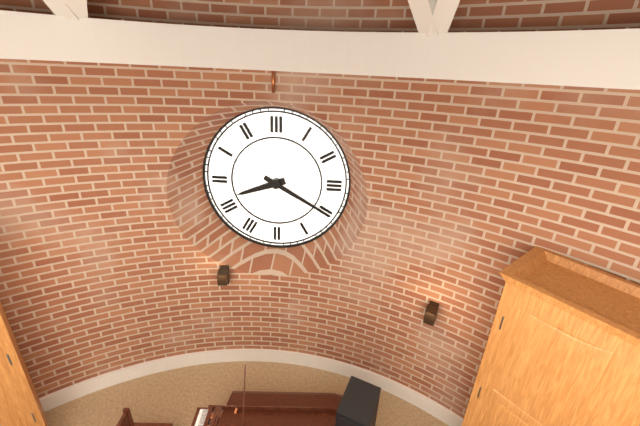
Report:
8,20
